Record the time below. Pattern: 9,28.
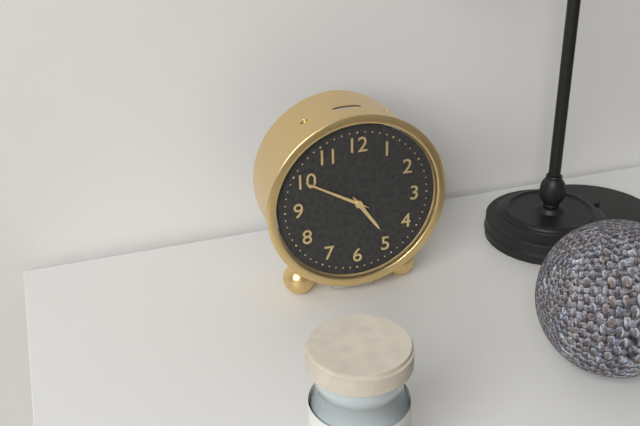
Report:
4,50
